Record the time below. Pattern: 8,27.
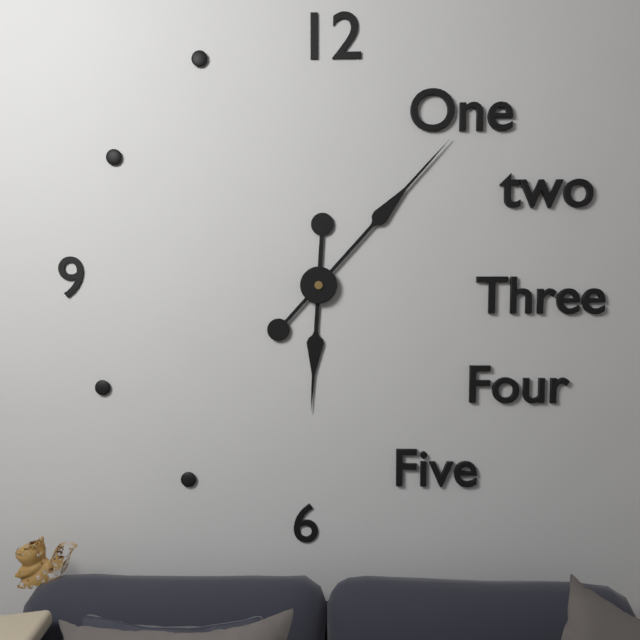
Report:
6,07
